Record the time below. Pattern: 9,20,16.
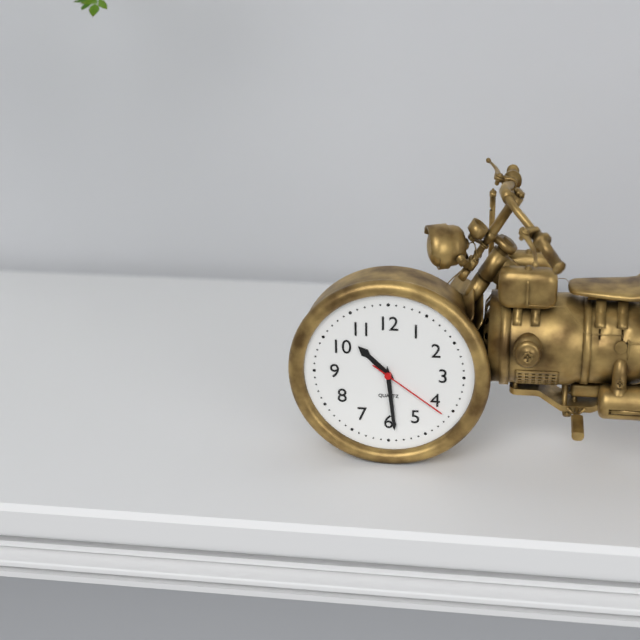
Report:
10,29,21
